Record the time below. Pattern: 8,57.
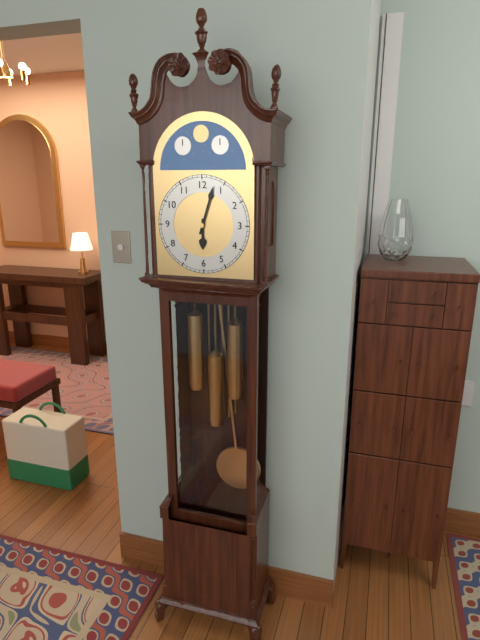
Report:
6,03
